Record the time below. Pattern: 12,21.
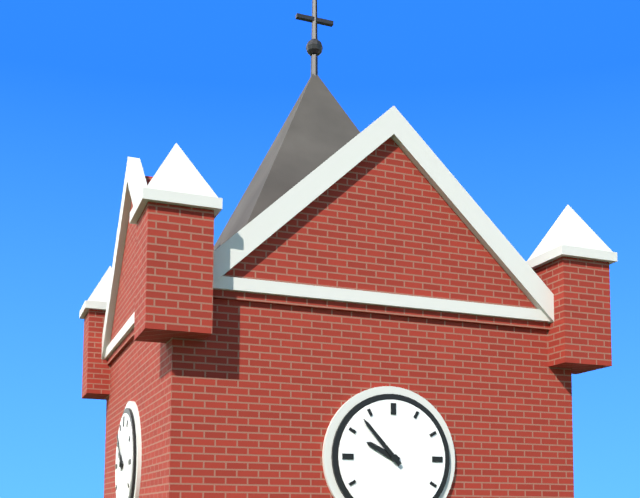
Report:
9,53
